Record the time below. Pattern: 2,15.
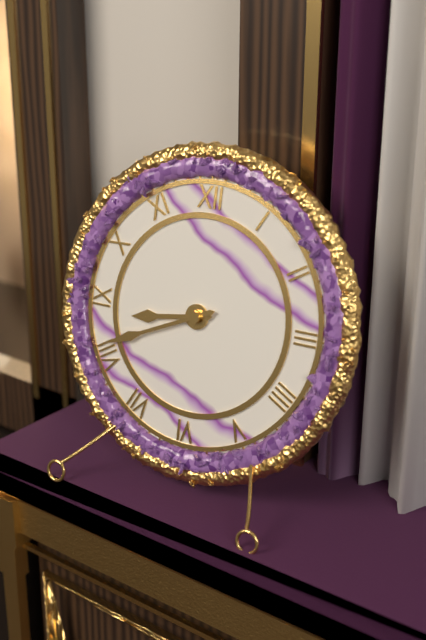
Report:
8,41
